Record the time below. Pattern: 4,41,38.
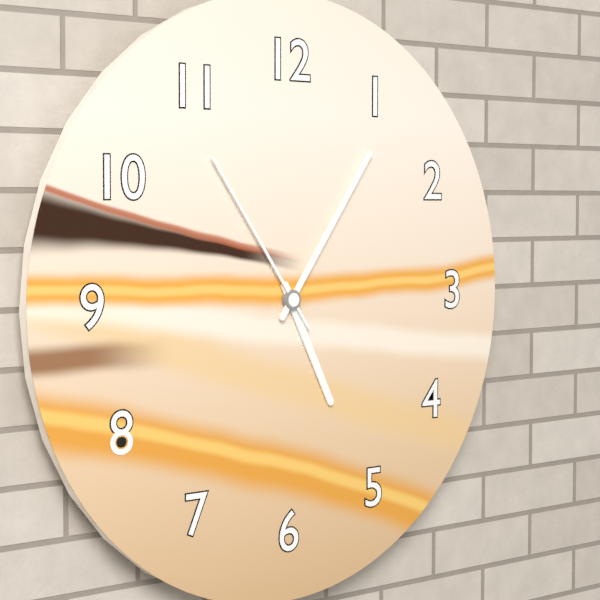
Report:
5,06,54
